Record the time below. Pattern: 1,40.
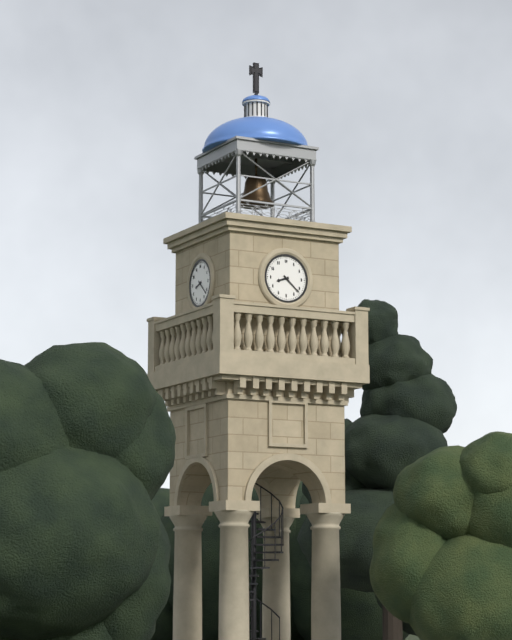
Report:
8,22
